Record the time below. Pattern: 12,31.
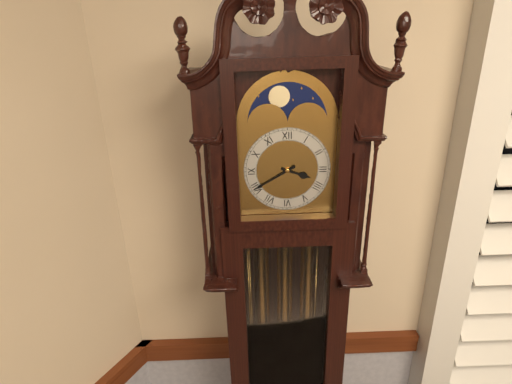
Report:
3,40
